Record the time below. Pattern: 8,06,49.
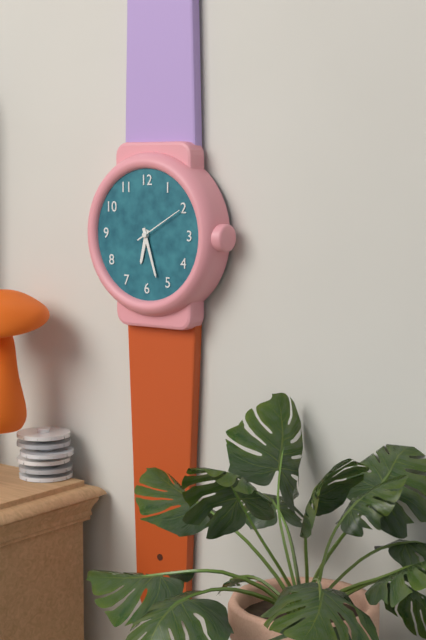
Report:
6,27,10
